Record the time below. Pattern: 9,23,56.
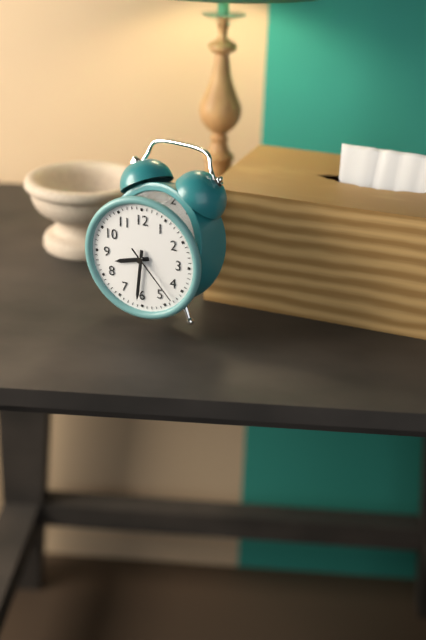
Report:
8,31,23
